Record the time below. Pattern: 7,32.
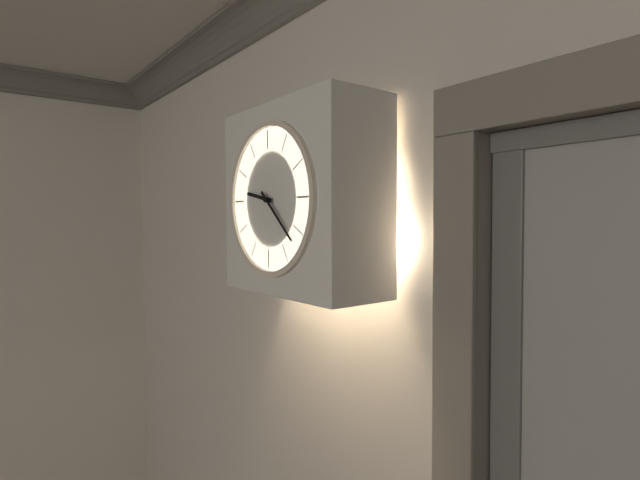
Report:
9,22
